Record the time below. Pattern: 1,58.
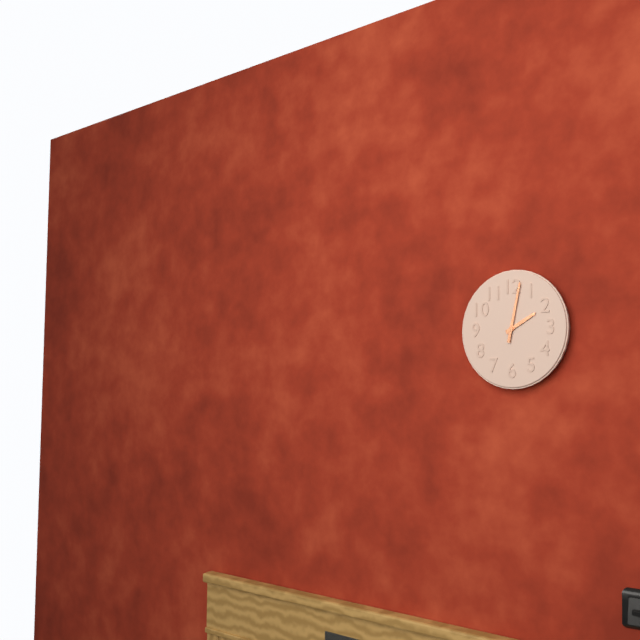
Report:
2,02
